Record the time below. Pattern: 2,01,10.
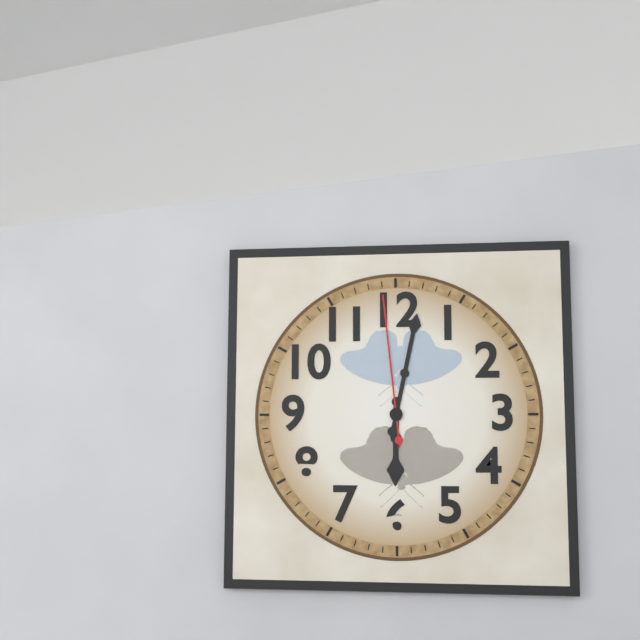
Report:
6,02,59
